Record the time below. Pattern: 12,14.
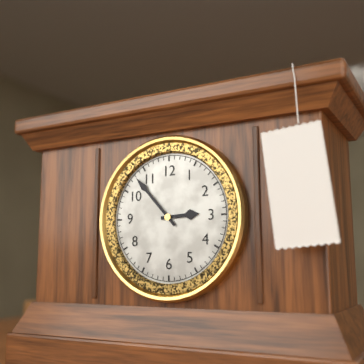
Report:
2,53
